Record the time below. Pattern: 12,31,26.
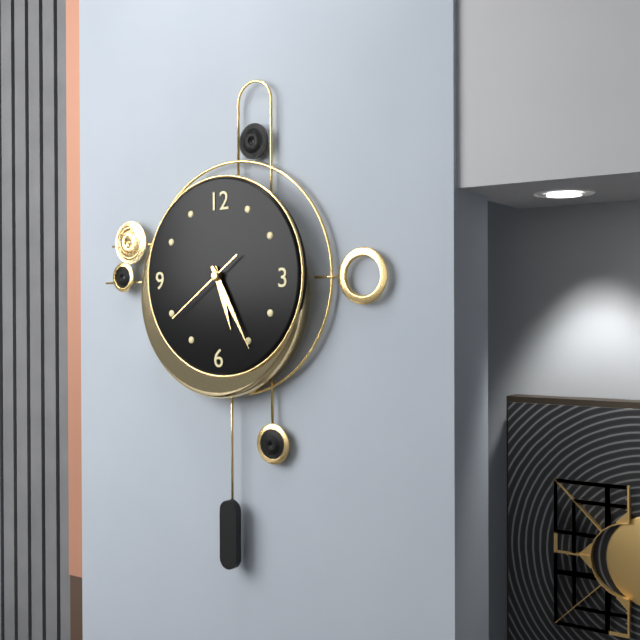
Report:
5,25,39
